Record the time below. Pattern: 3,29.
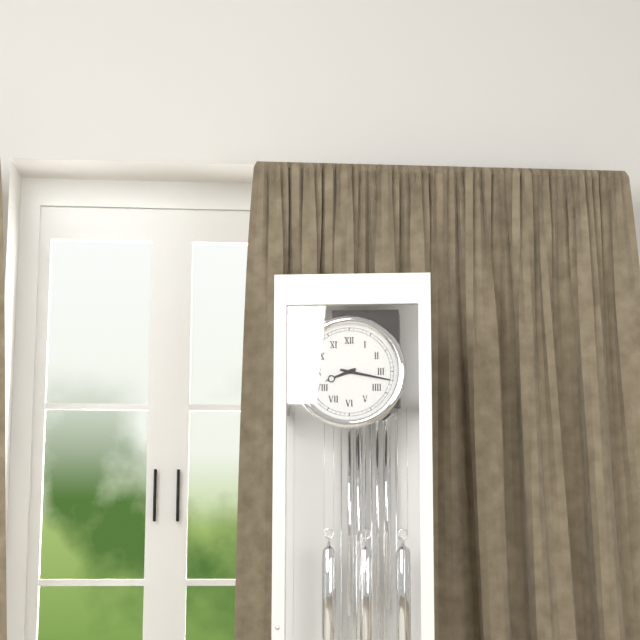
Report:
8,17
